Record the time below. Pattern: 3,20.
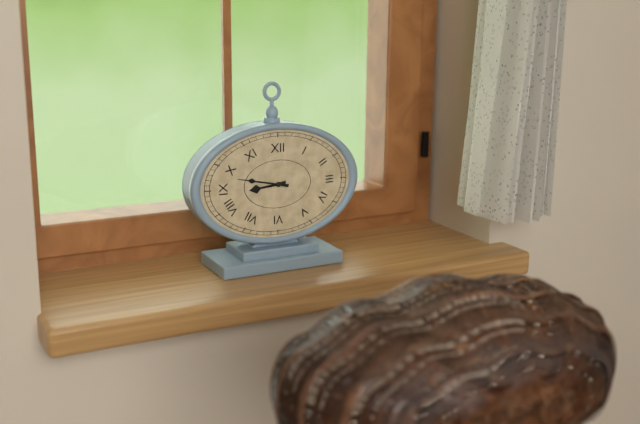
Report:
8,47
